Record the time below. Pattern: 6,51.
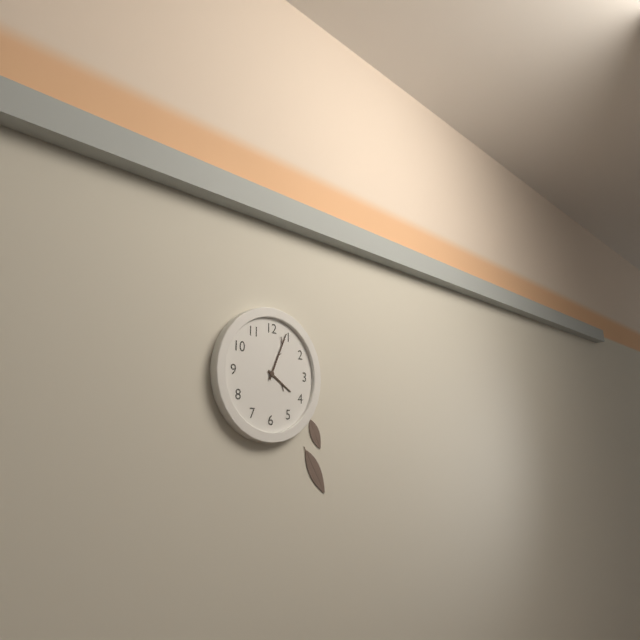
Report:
4,04
